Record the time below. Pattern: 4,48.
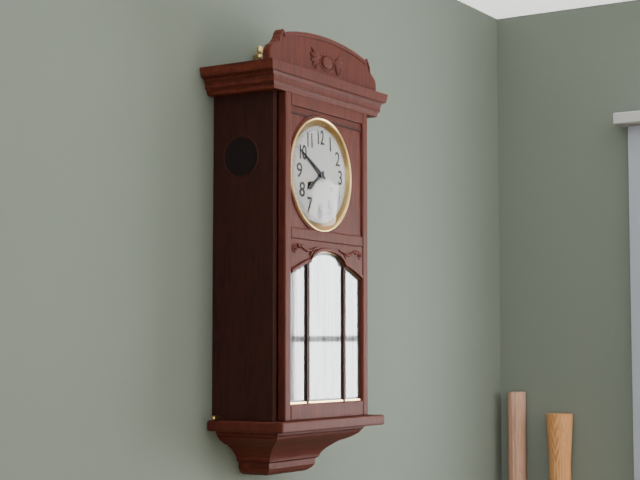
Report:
7,50
